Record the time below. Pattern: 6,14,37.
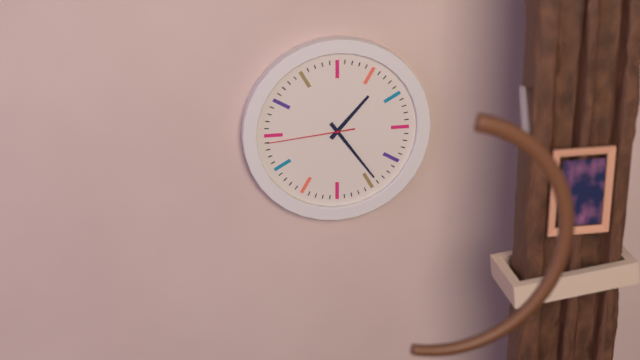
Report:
1,24,44
